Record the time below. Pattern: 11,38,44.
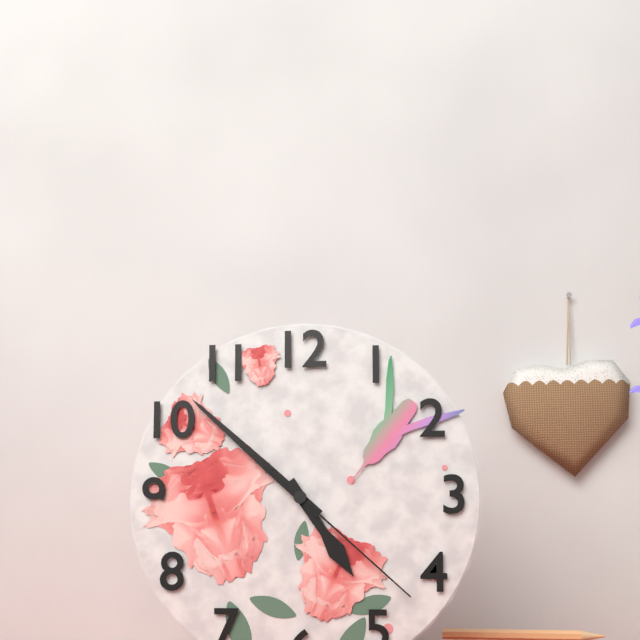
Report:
4,52,22
